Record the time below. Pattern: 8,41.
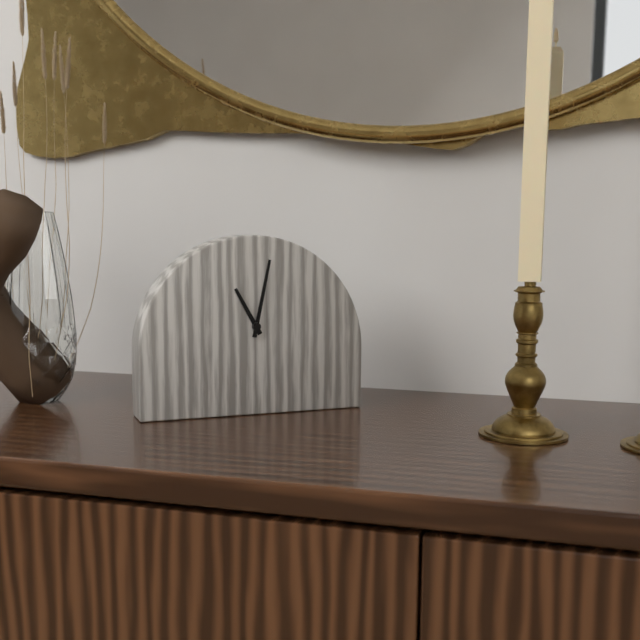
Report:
11,02
